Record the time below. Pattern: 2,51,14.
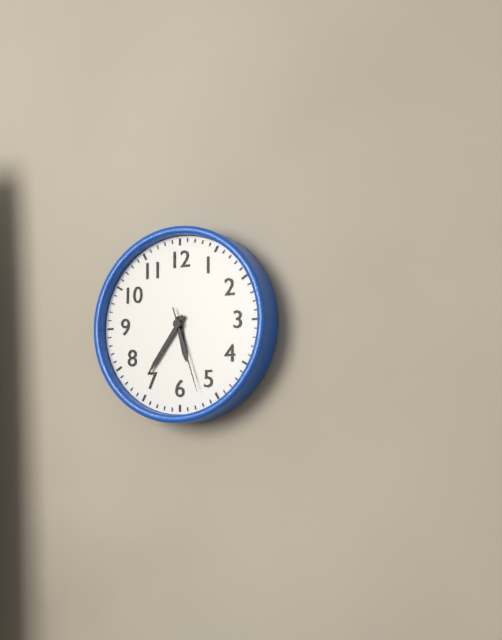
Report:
5,36,27
